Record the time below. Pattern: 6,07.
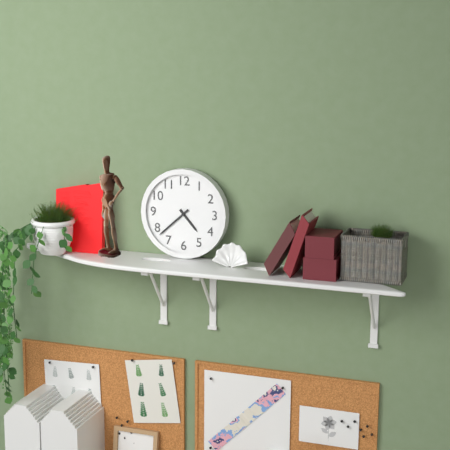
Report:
4,38
